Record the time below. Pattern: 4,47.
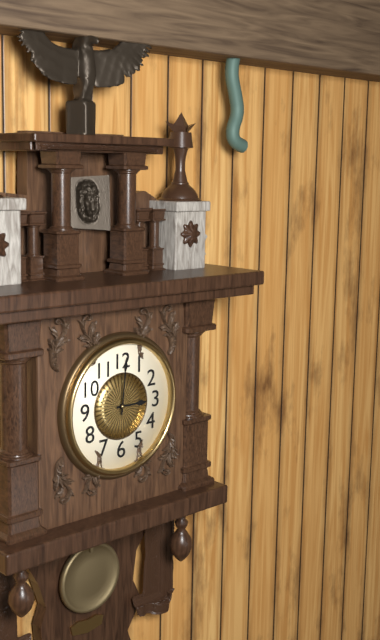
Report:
3,01
